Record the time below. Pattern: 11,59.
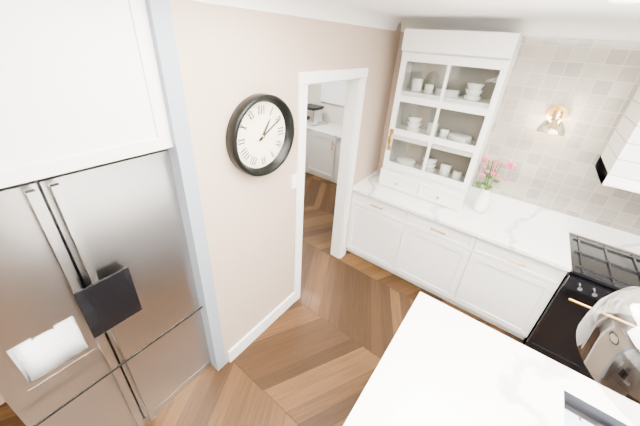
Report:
1,10
